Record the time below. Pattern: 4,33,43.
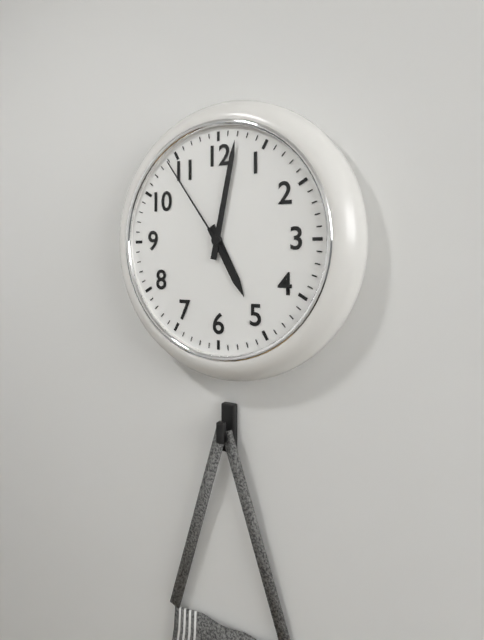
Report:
5,02,54
